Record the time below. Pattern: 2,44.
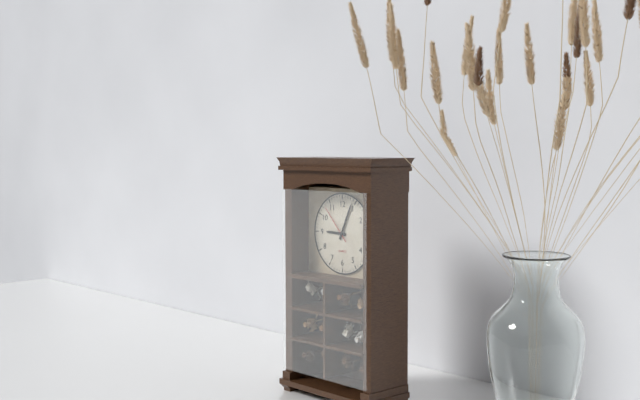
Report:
9,04
